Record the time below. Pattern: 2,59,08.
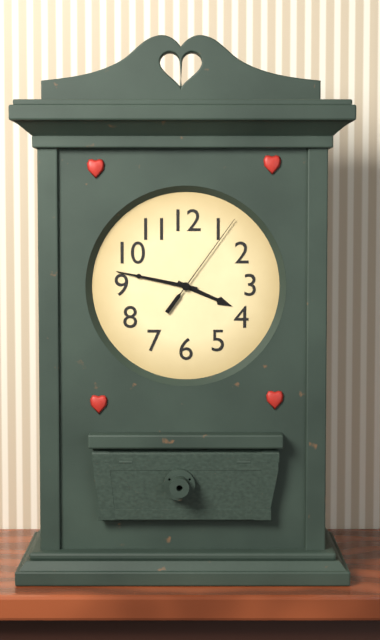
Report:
3,47,06
